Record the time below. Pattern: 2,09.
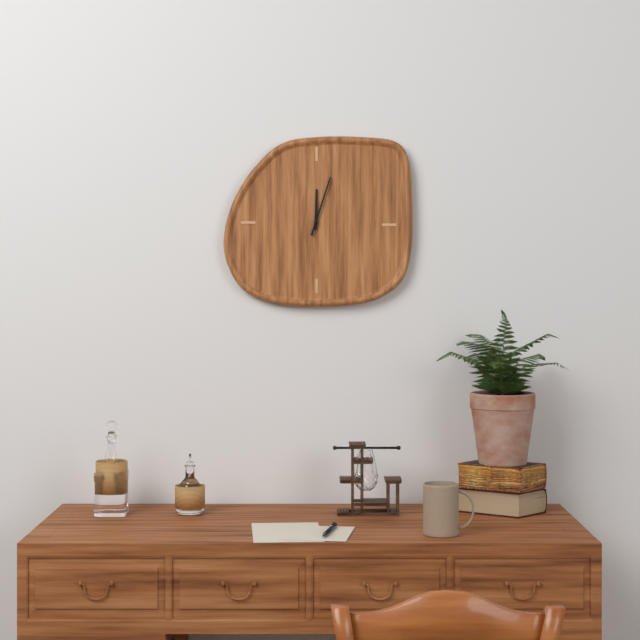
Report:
12,03
